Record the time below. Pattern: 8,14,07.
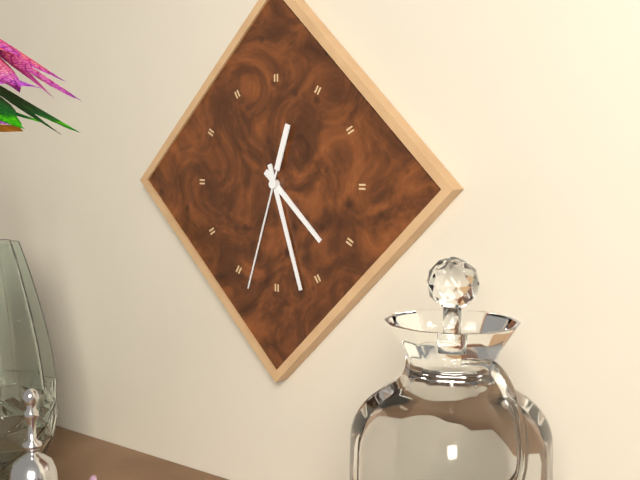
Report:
4,27,33
